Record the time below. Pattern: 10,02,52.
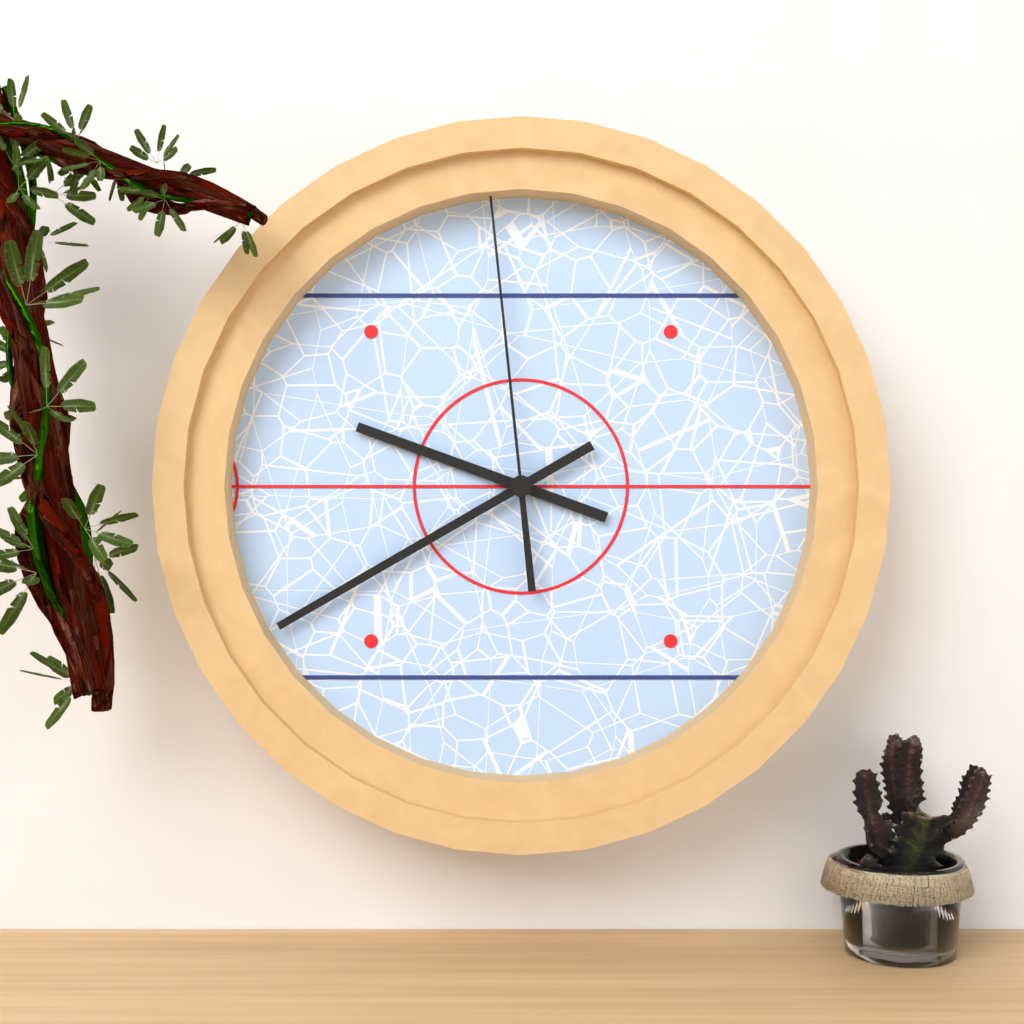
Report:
9,40,59
